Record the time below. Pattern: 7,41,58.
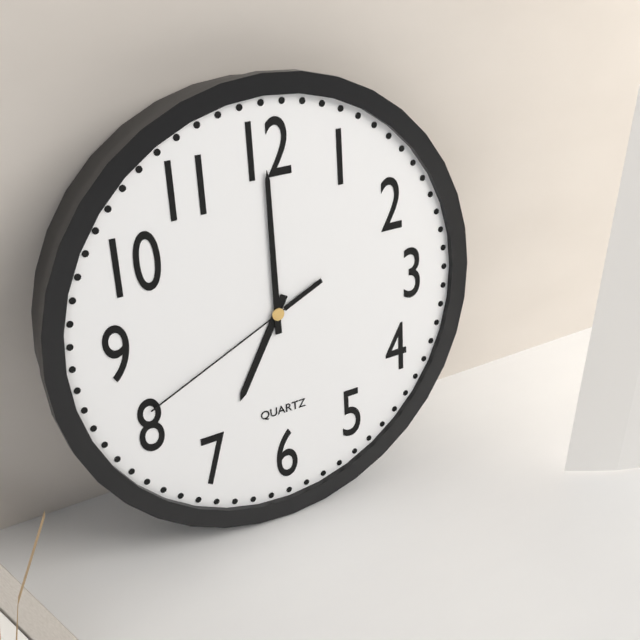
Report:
7,00,41
